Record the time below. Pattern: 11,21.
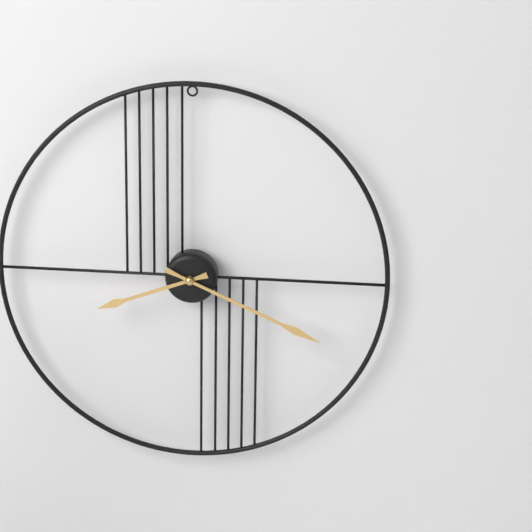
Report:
8,19
